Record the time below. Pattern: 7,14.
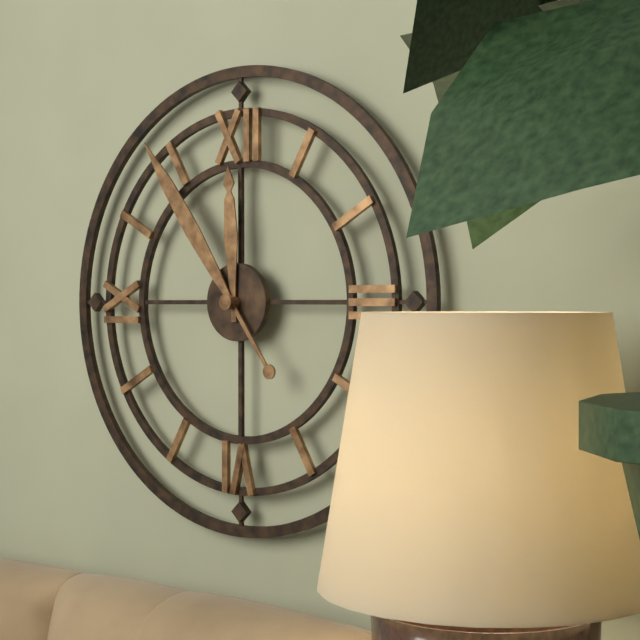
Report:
11,54
